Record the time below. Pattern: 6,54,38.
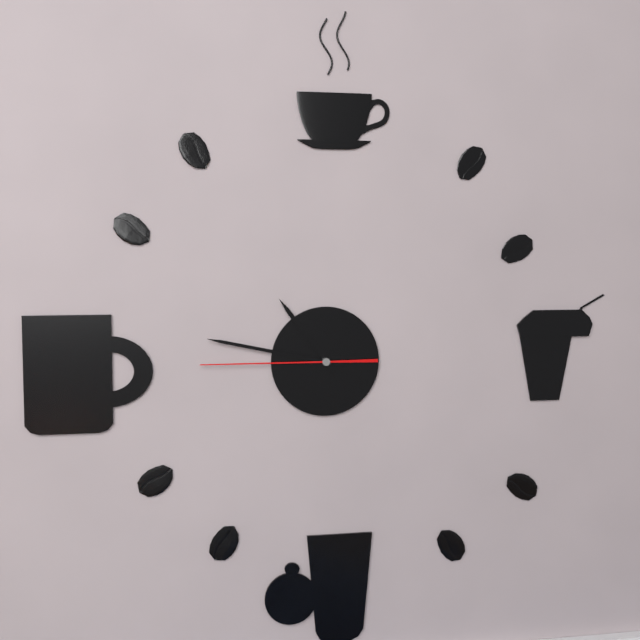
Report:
10,47,45
